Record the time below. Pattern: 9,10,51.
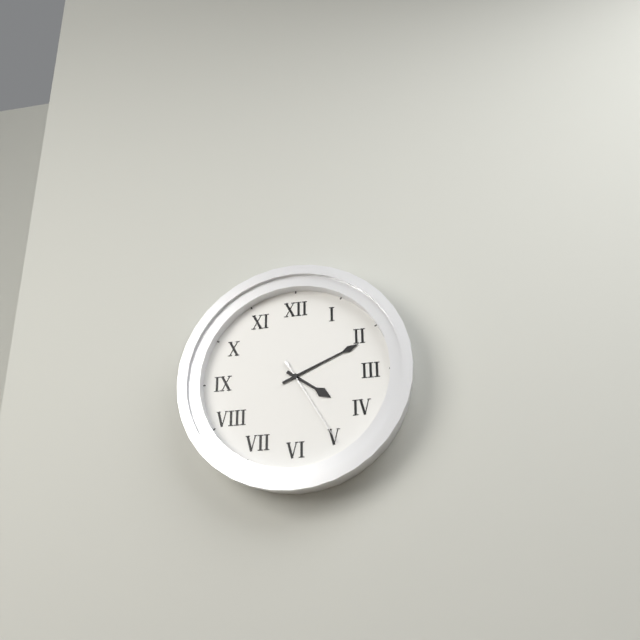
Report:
4,11,25
